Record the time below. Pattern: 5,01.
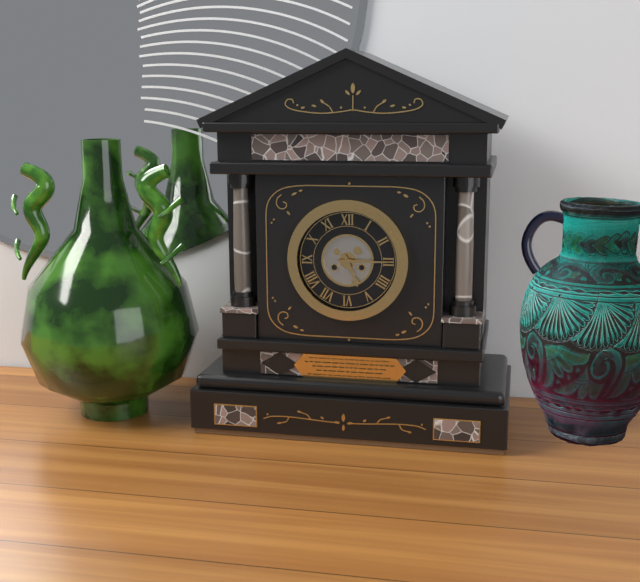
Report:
5,15
